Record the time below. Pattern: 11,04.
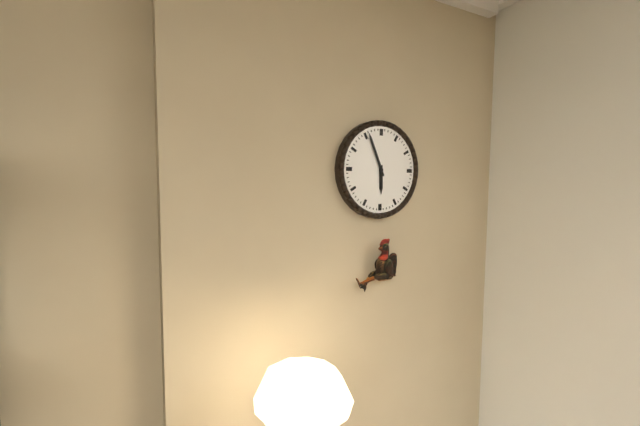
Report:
5,56
